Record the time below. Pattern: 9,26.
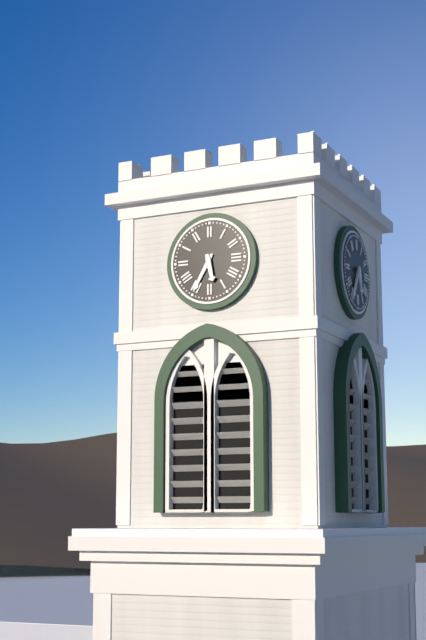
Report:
5,35
